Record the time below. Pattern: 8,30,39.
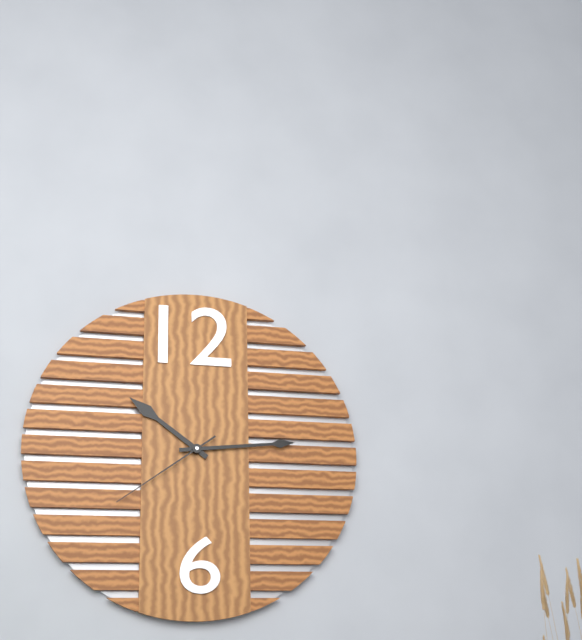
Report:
10,14,39
